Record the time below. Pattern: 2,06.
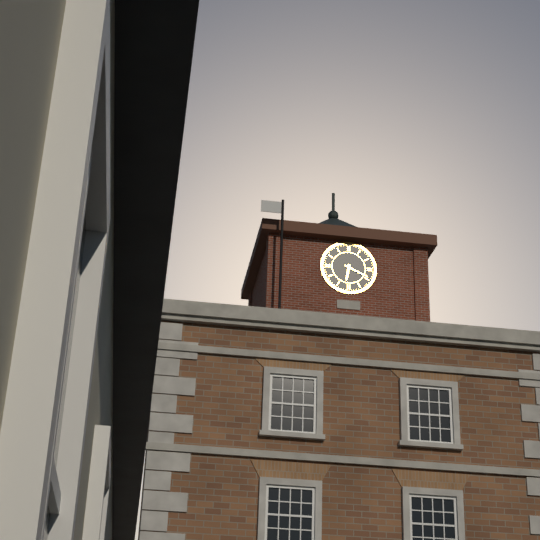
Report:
6,19
